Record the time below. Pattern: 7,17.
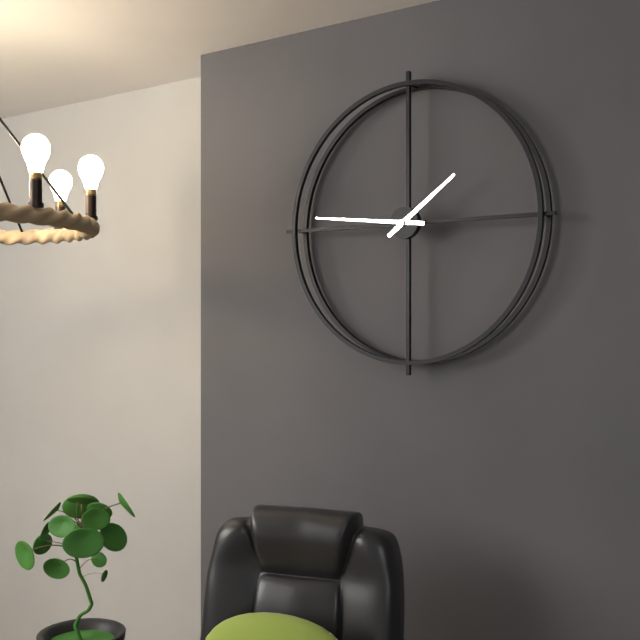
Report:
1,46
